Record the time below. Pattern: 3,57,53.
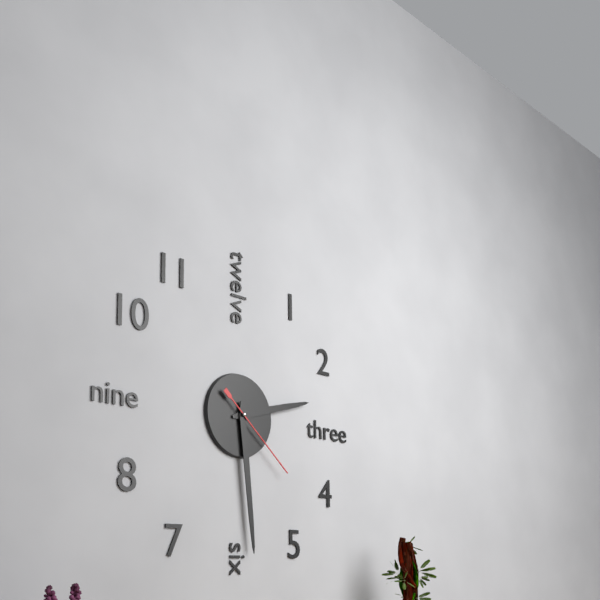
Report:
2,29,22
